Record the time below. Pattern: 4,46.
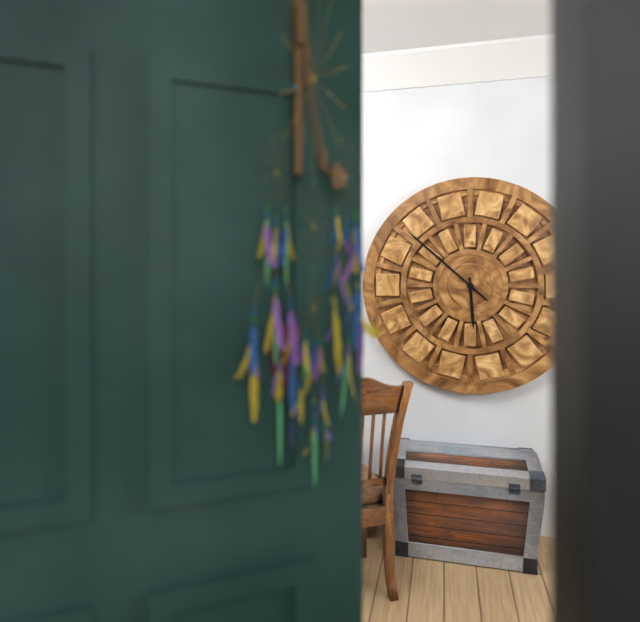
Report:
5,52
